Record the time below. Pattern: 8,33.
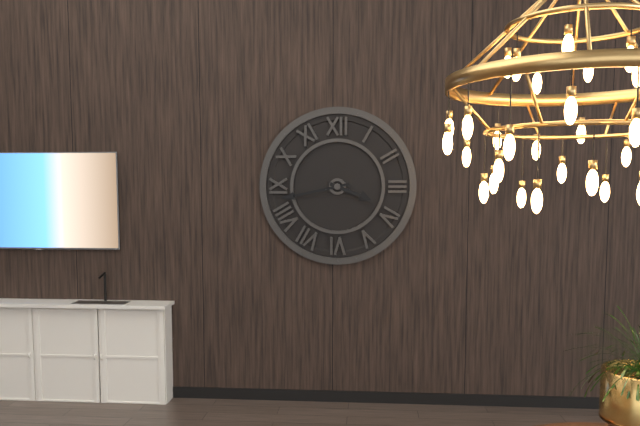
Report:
3,43
